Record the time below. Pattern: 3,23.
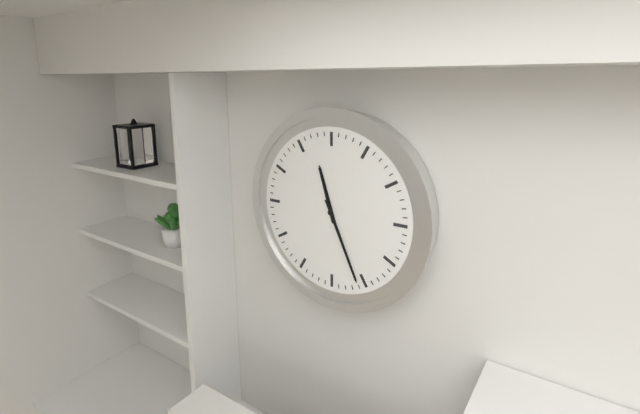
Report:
11,26
